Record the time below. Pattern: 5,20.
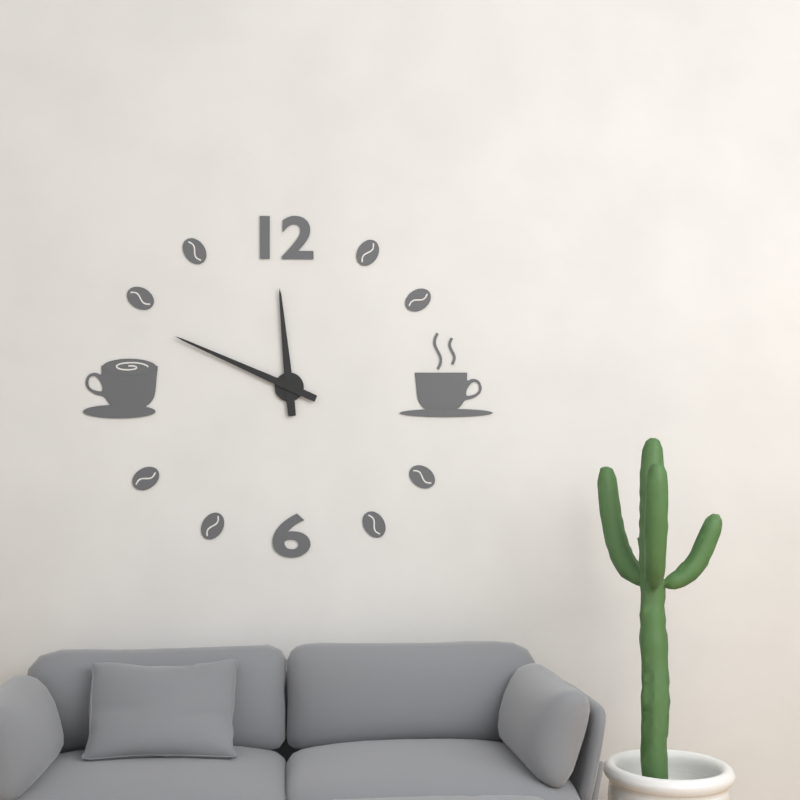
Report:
11,49
